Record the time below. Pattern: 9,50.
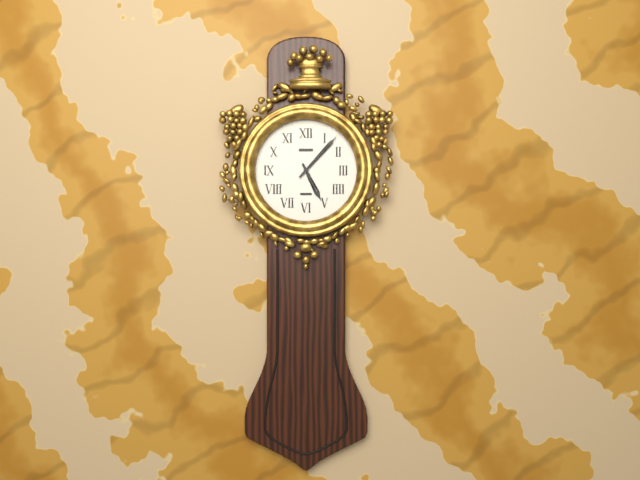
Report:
5,07
